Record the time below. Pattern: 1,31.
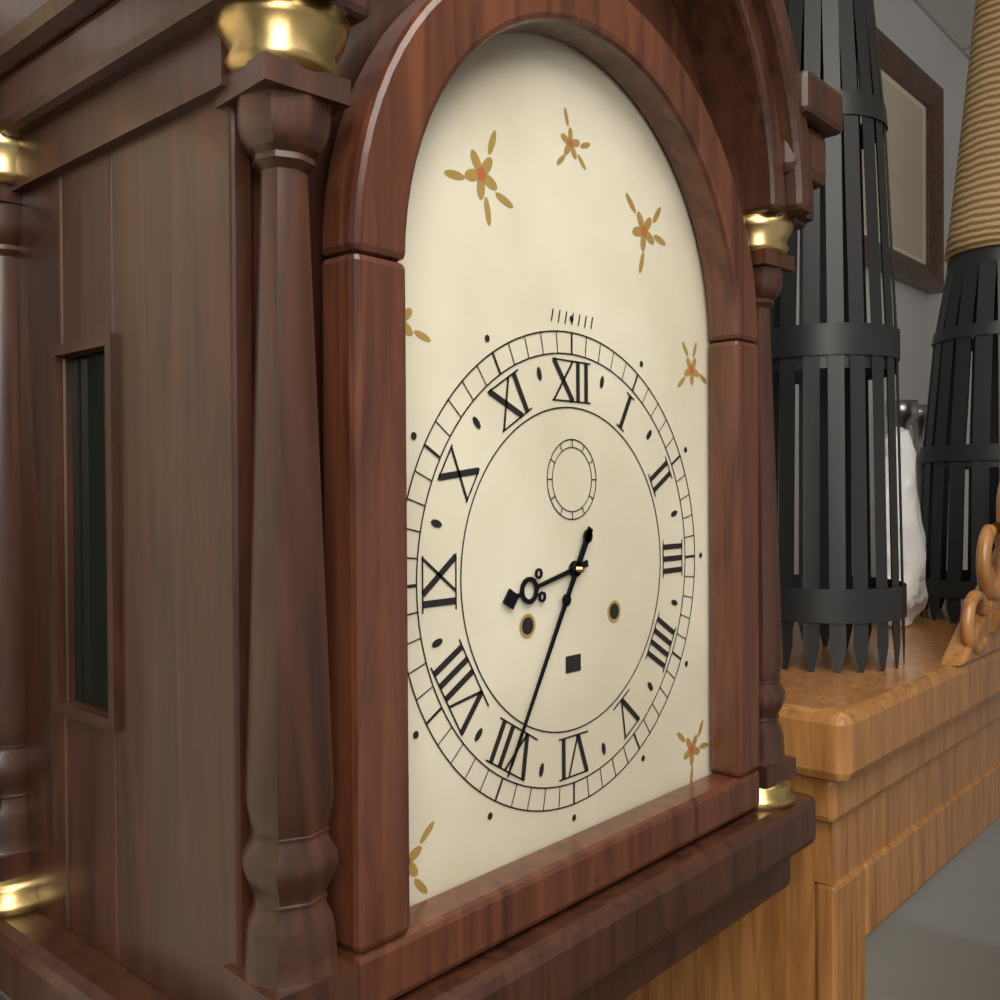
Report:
8,35
